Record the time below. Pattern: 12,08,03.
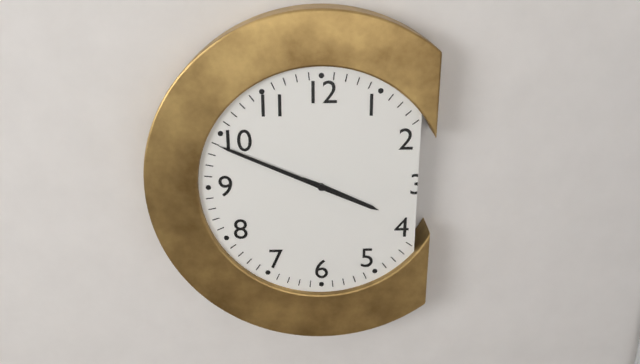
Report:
3,49,49
